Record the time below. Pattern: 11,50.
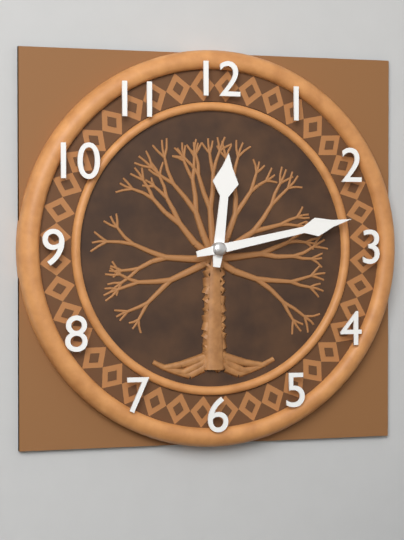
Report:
12,13
